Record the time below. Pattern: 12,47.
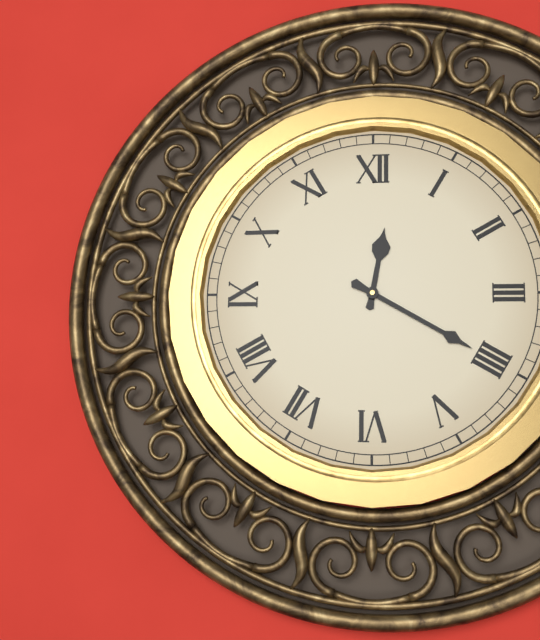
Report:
12,20
